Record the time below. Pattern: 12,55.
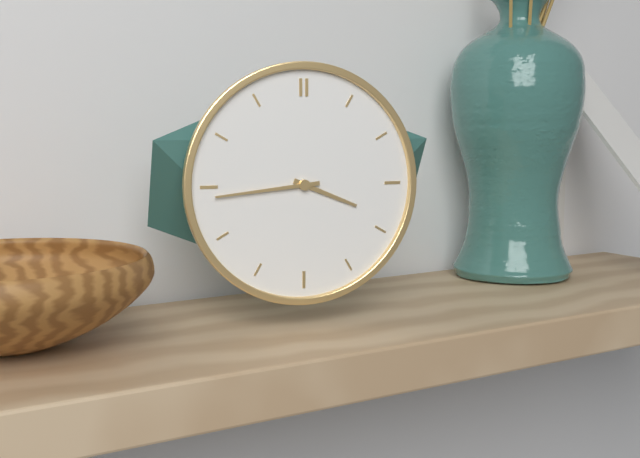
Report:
3,44
